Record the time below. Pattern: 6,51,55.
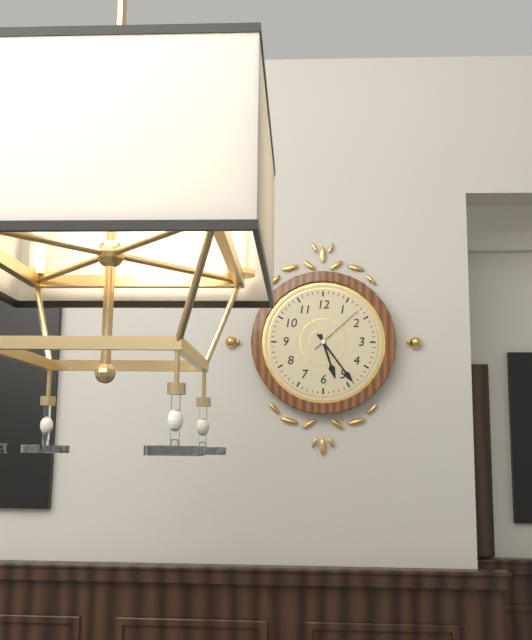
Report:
5,24,08
